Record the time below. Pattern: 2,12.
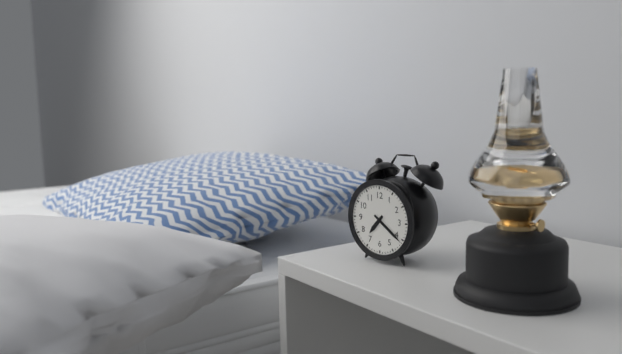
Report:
7,21
